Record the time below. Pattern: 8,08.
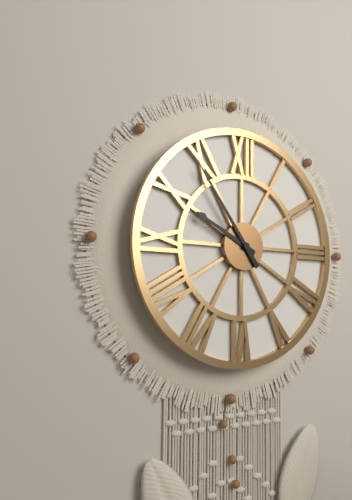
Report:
9,54
